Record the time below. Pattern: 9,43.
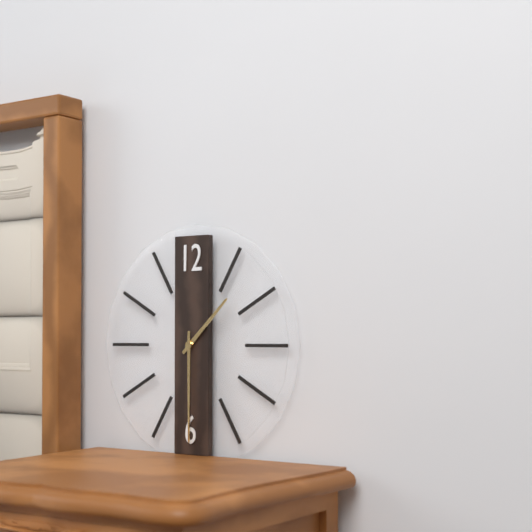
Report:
1,30
